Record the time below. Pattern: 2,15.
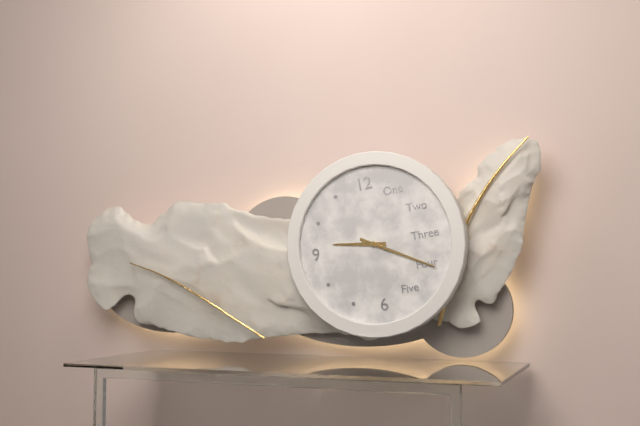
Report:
9,20
